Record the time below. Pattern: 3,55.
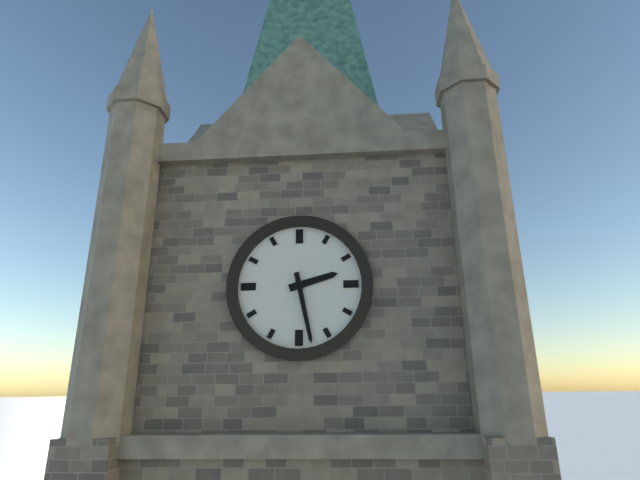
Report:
2,28
